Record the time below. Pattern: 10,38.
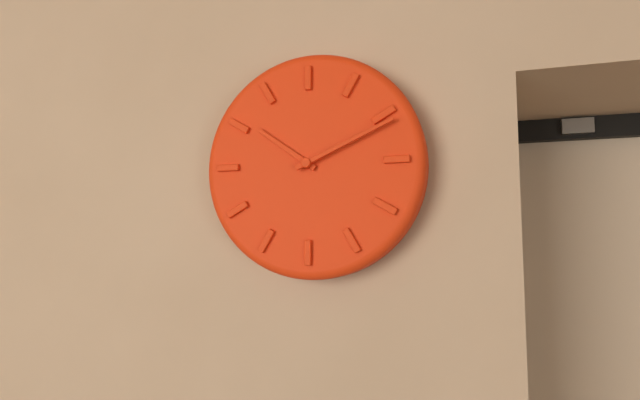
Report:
10,11
